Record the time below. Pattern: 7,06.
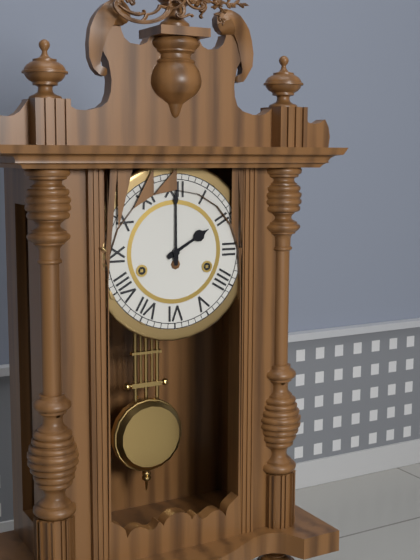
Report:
2,00
